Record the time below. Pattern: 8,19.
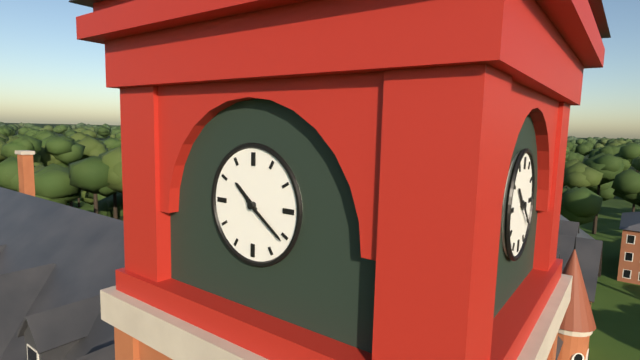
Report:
10,21
